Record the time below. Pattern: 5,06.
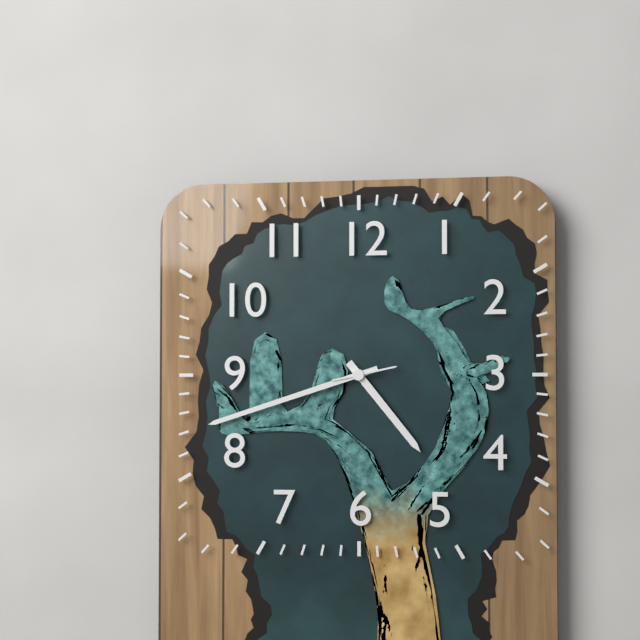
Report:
4,42
